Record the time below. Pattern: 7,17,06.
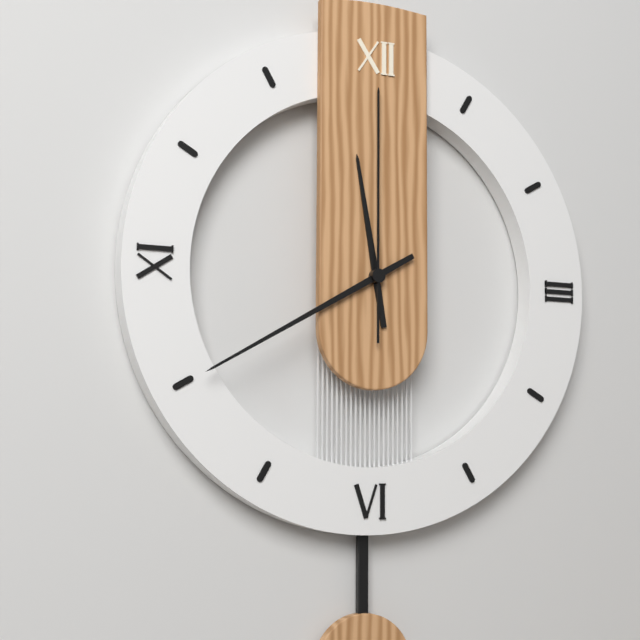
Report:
11,40,00
